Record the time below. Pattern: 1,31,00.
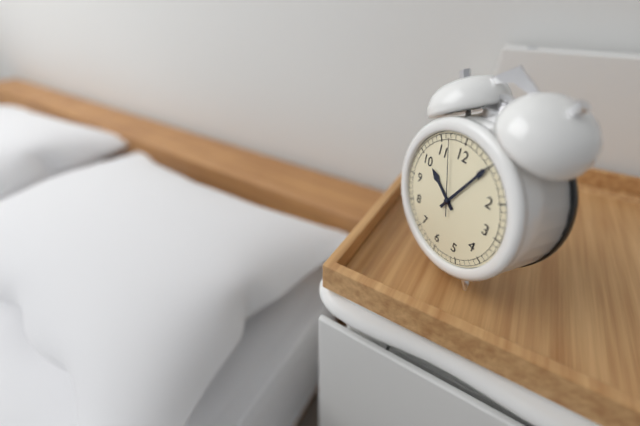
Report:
10,05,57
